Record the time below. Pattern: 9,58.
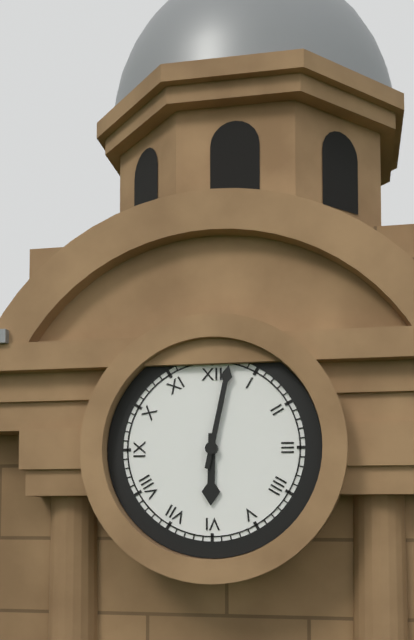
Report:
6,02
